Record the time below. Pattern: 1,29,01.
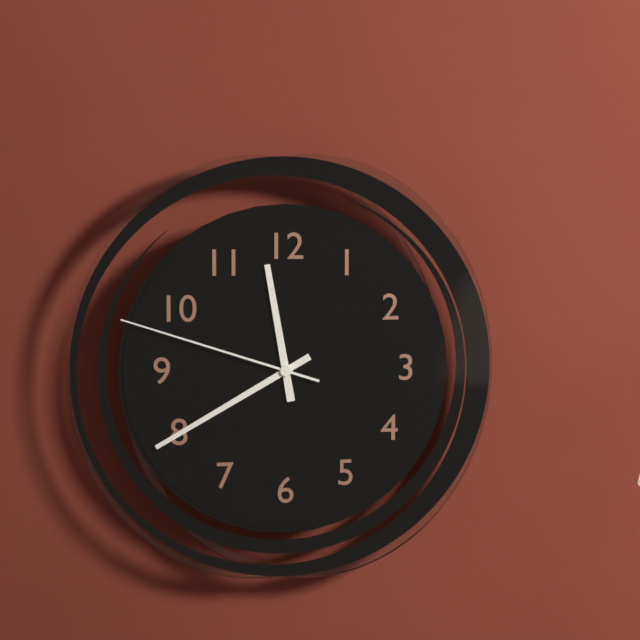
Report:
11,40,48
